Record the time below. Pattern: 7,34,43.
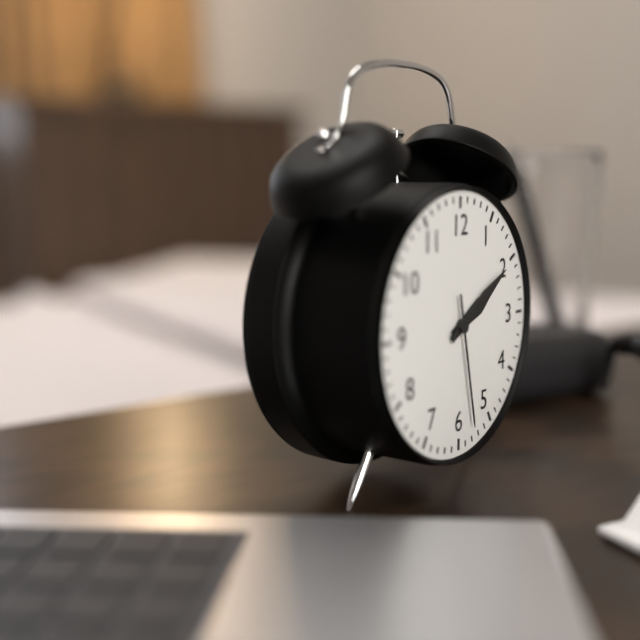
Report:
2,10,28
